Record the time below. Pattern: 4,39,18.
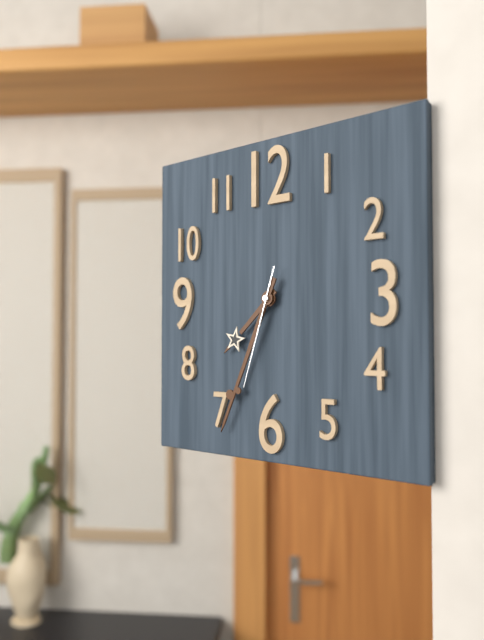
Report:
7,34,33
